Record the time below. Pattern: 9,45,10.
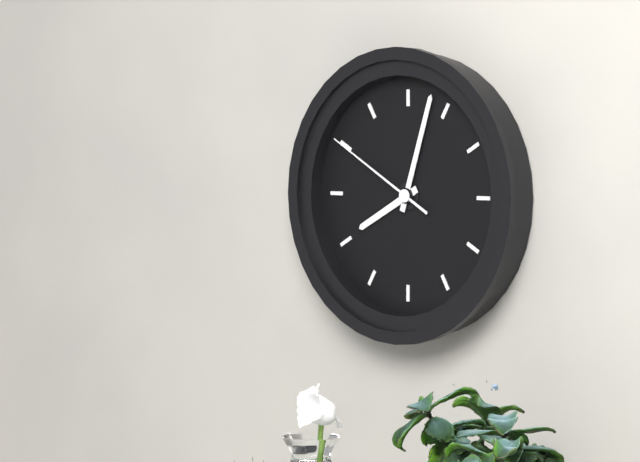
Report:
8,03,50
